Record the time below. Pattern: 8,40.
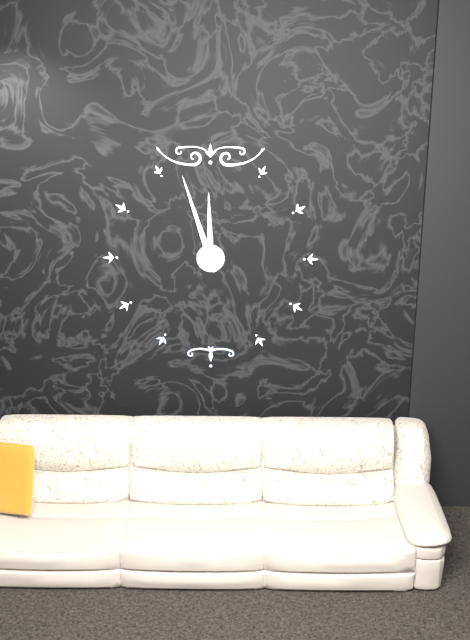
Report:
11,57
